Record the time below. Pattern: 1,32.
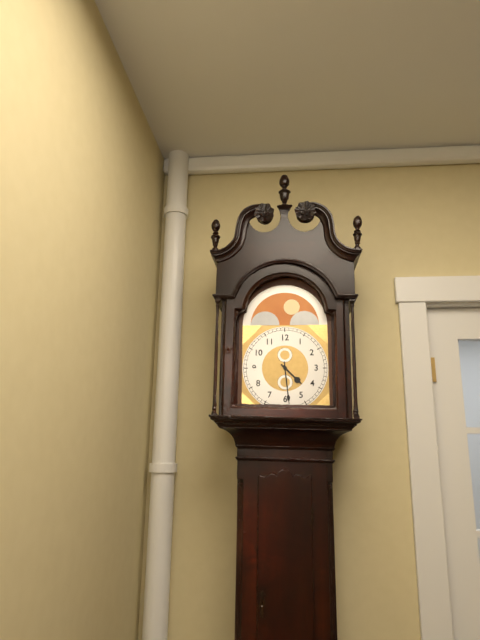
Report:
4,29
